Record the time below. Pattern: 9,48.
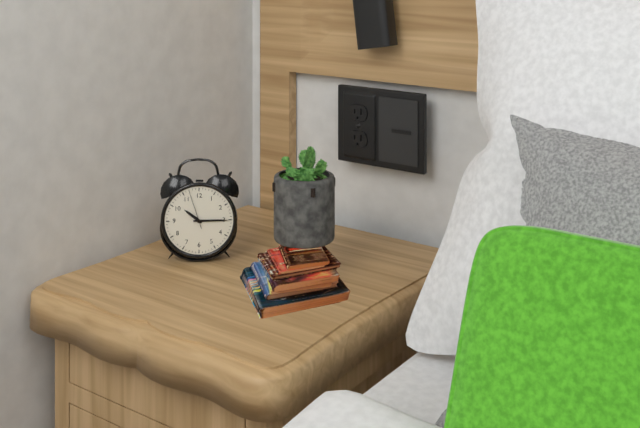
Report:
10,15
